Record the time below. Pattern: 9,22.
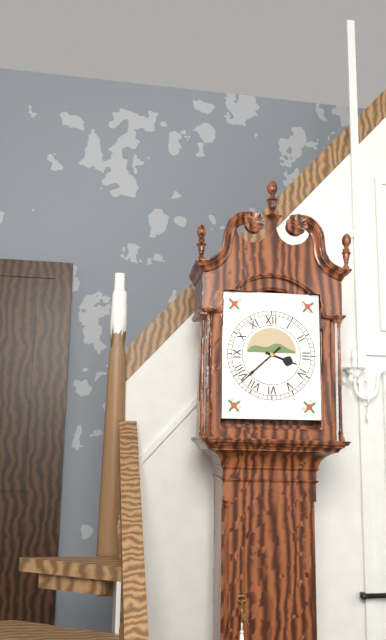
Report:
3,38
